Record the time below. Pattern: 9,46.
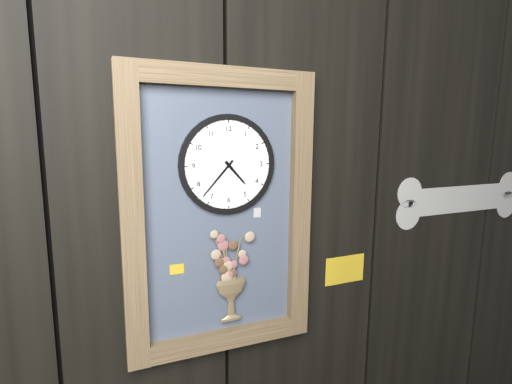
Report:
4,37
